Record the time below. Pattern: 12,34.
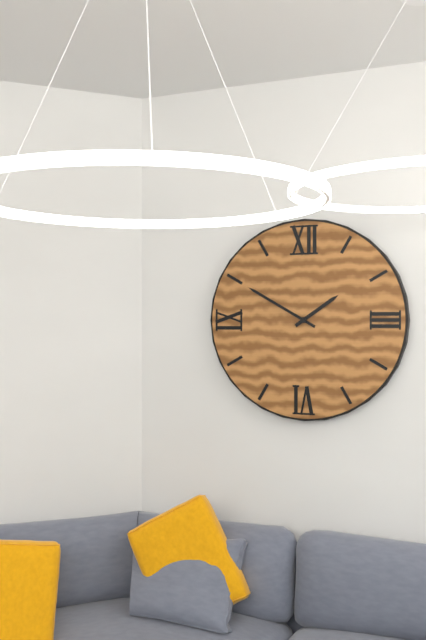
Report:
1,50
